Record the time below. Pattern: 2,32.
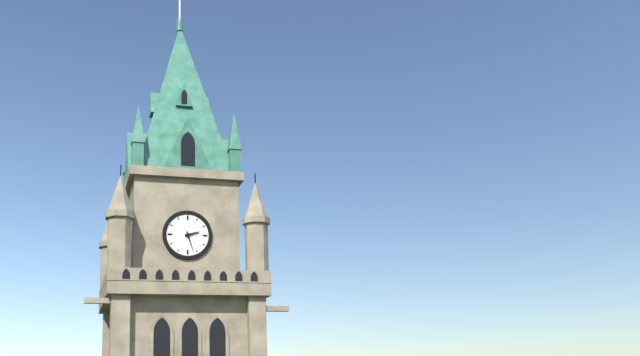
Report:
2,27
